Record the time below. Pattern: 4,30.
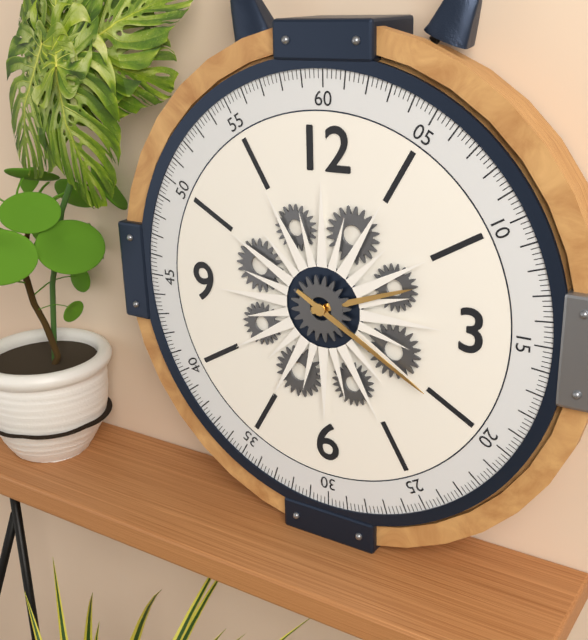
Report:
2,20
